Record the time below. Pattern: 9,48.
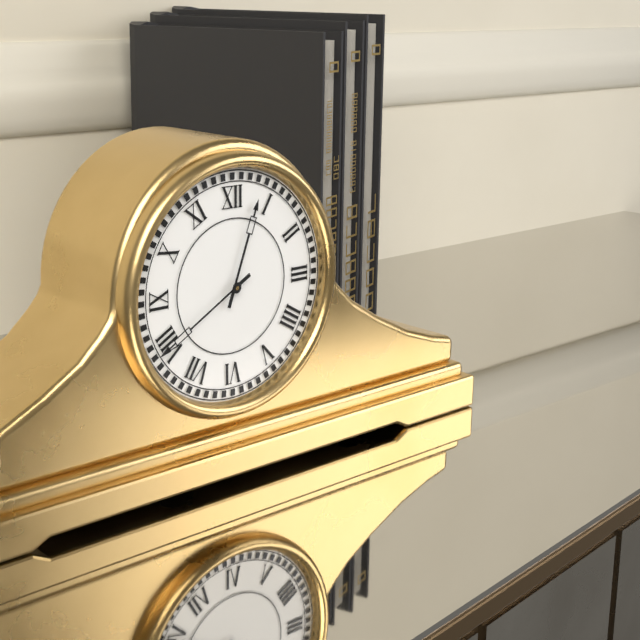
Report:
12,40
